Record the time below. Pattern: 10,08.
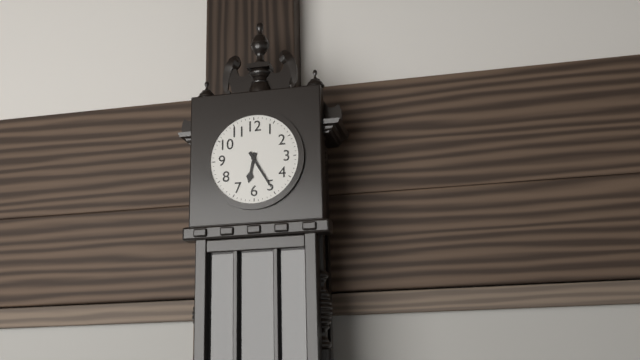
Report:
6,25
